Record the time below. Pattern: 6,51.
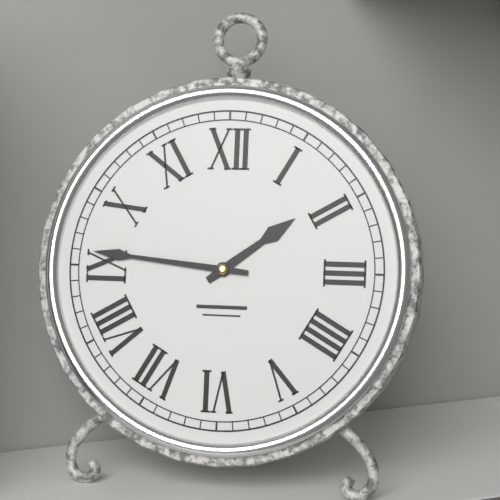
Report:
1,46
